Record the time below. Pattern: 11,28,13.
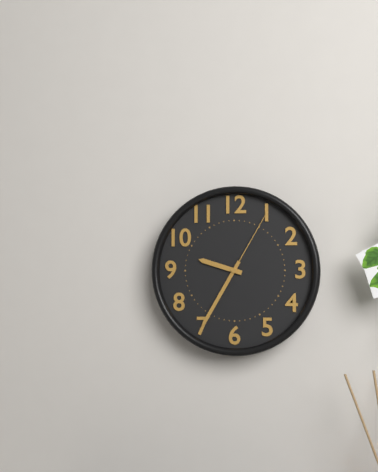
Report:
9,35,05
